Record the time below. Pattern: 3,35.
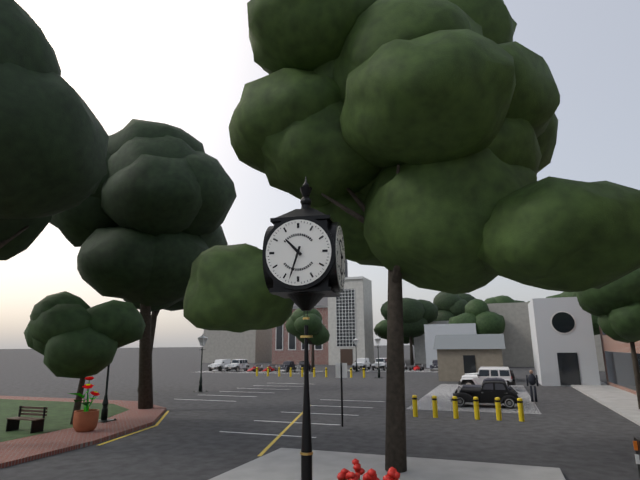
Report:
10,33
